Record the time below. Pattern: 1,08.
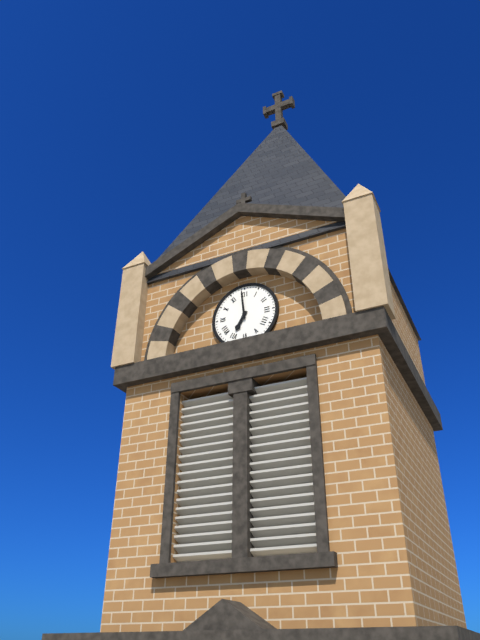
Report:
6,59
